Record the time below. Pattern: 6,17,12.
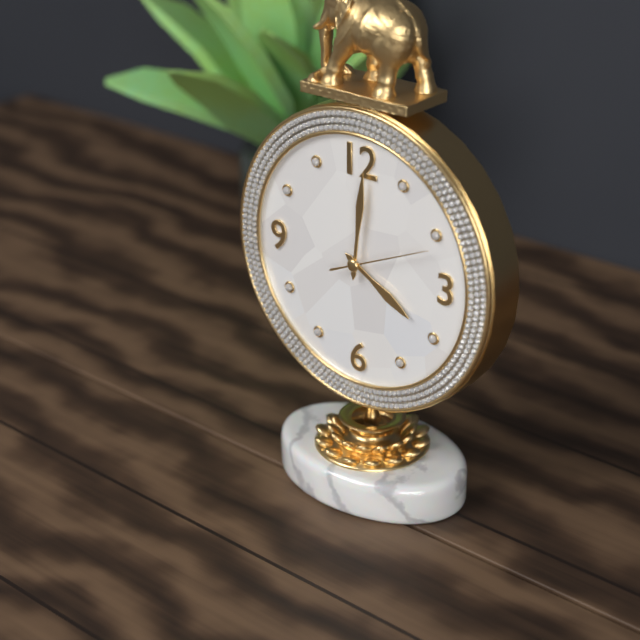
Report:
4,01,11
